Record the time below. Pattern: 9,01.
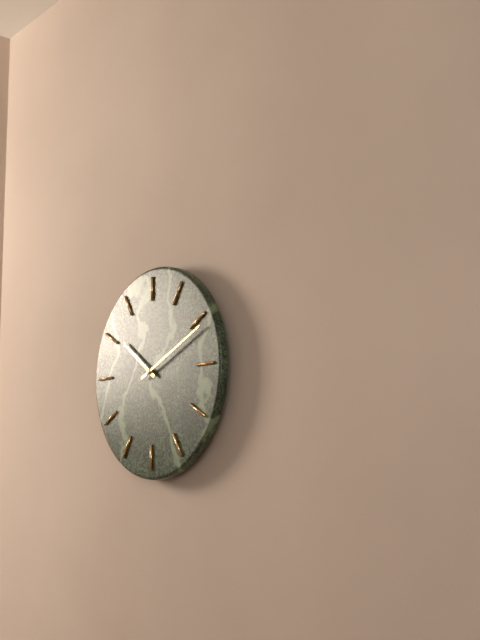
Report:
10,11
